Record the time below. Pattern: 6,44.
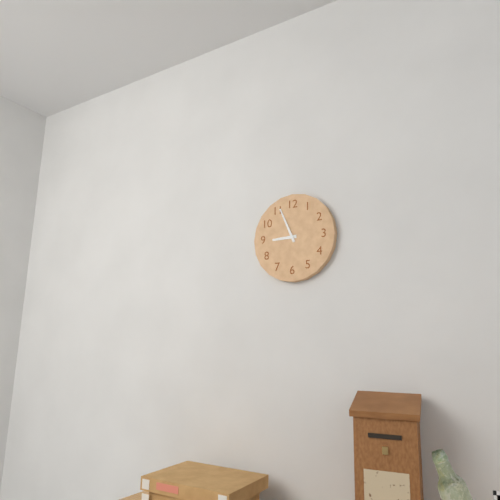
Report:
8,56
